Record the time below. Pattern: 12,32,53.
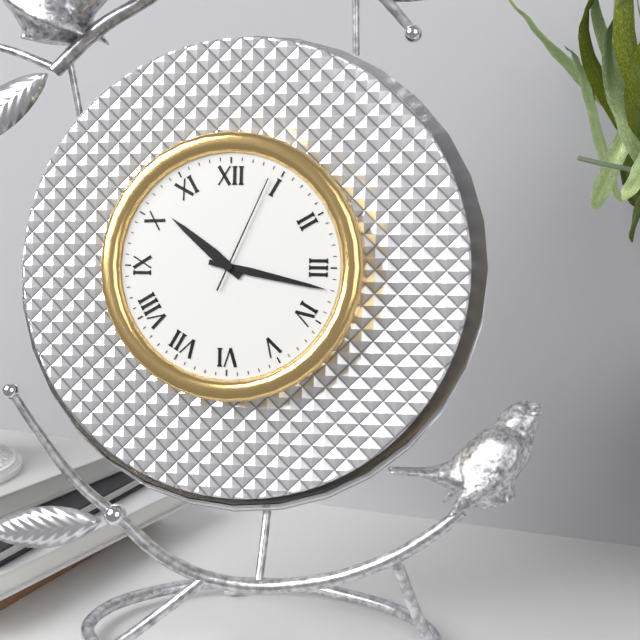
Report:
10,17,04
